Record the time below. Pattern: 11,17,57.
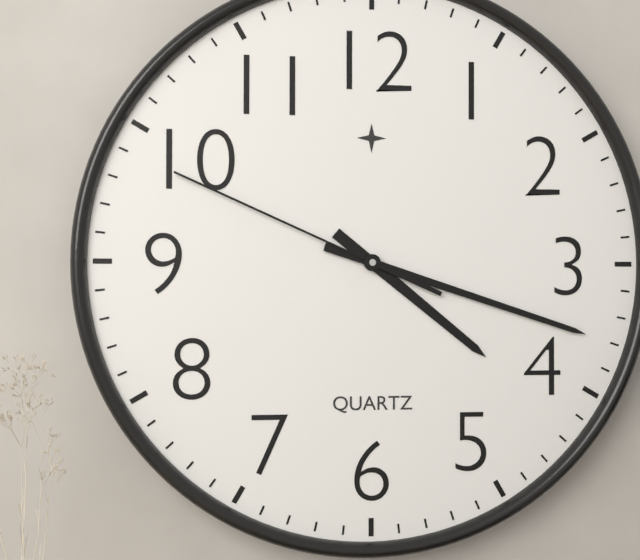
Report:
4,18,49
